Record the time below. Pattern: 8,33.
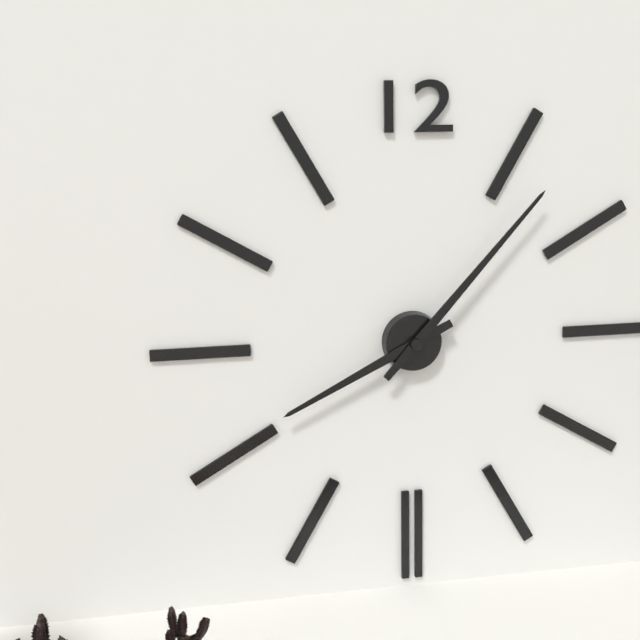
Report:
8,07
